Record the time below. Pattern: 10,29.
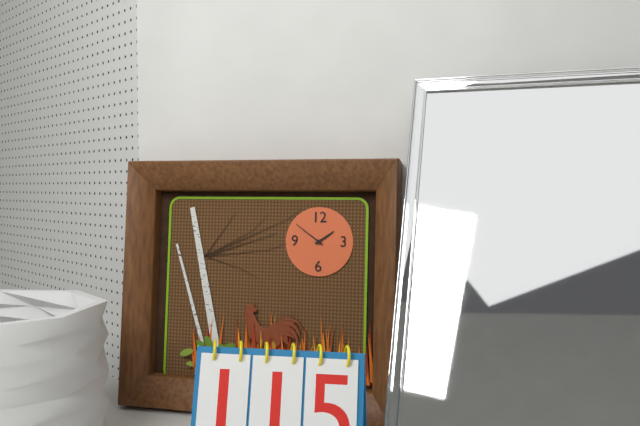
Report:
1,51
